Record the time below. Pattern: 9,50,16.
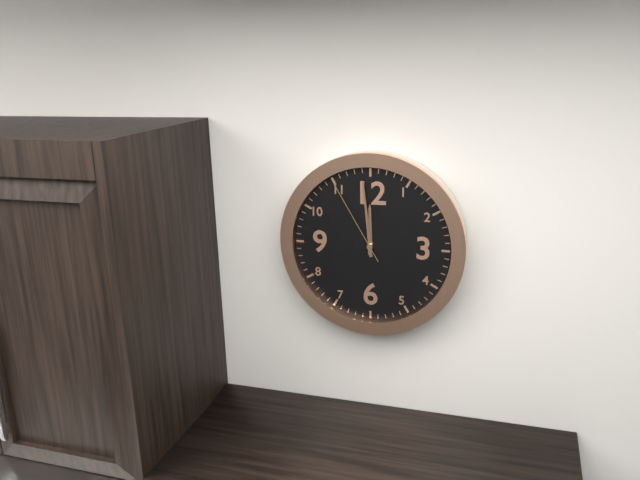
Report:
11,59,55
